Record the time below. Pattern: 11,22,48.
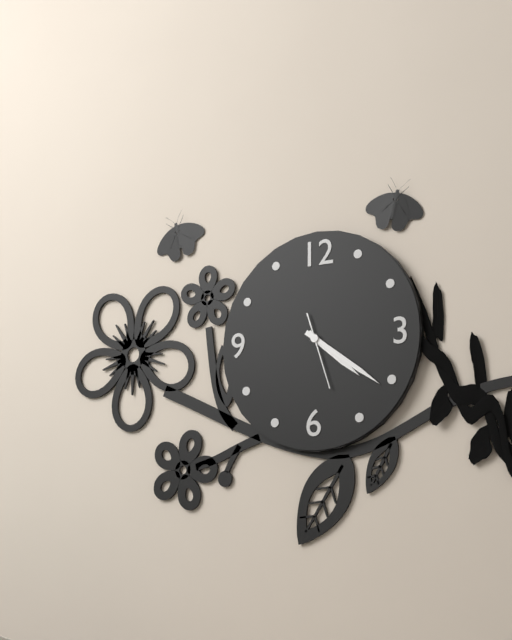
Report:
4,21,27
